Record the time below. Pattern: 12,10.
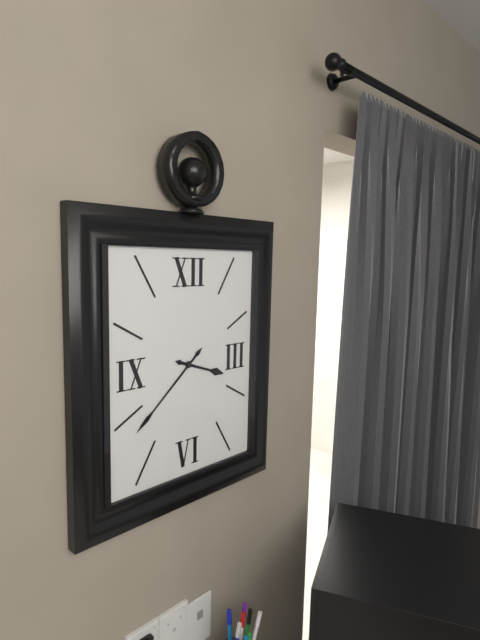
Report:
3,38
